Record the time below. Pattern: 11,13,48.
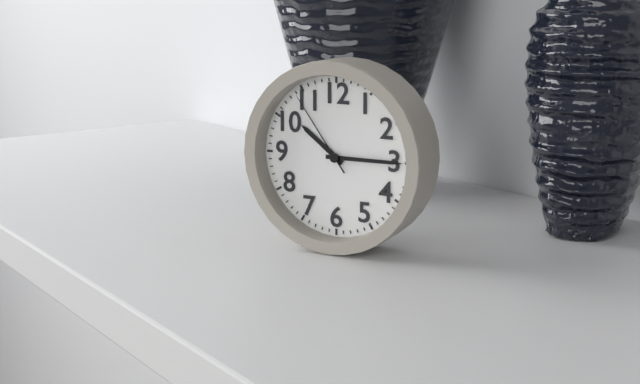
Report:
10,15,54
